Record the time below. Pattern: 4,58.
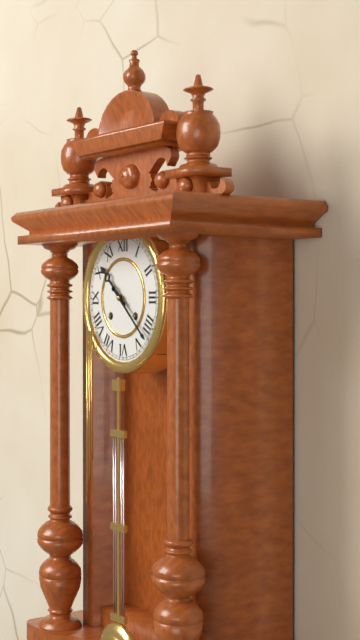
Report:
10,22
